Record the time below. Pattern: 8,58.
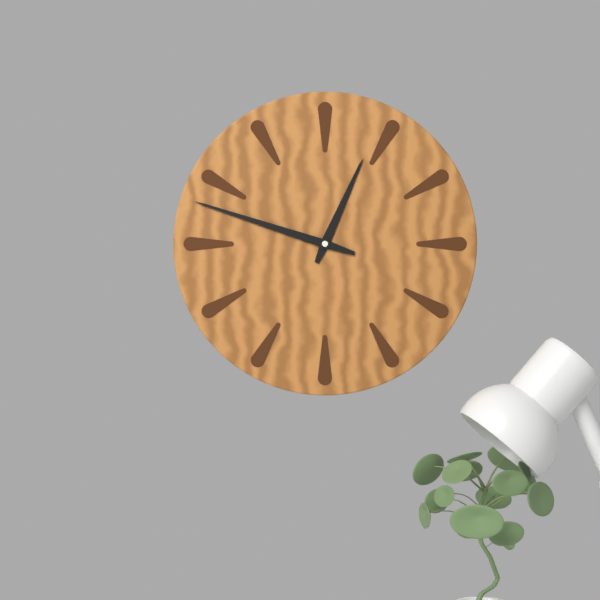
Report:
12,48
